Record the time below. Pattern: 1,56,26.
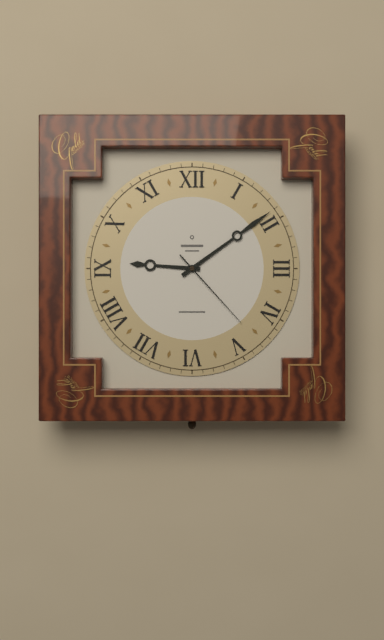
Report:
9,09,23
